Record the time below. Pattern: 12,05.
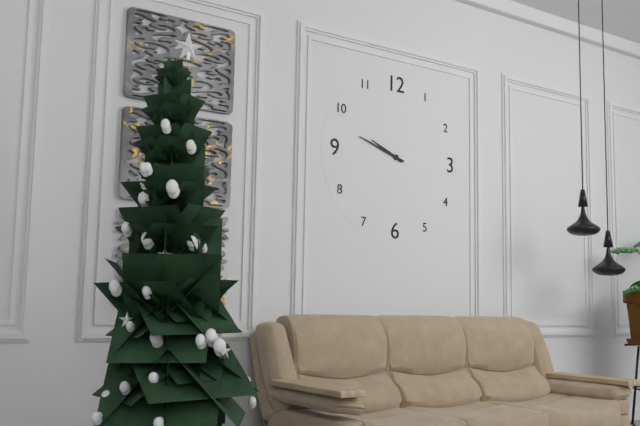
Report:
9,48
